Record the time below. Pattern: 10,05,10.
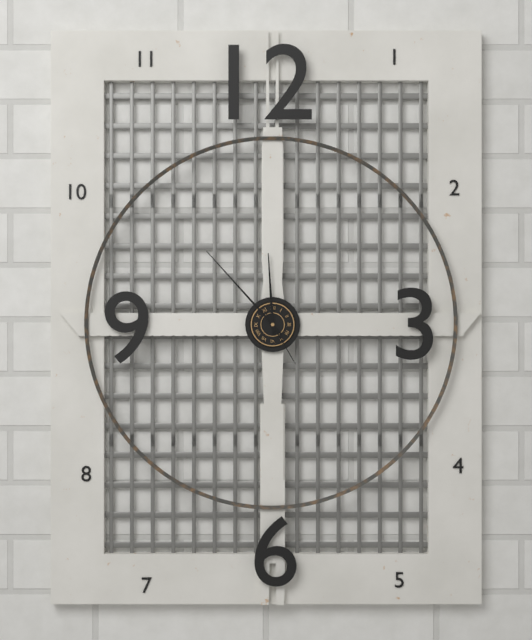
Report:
11,53,25
